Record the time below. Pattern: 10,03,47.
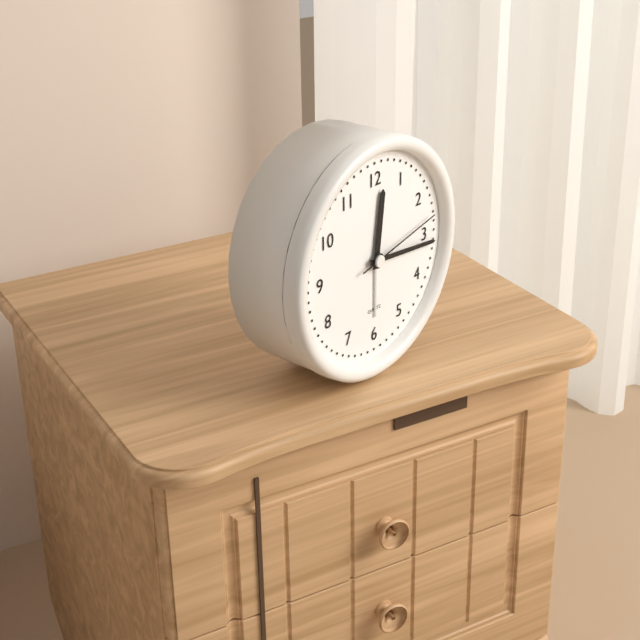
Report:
12,16,13
